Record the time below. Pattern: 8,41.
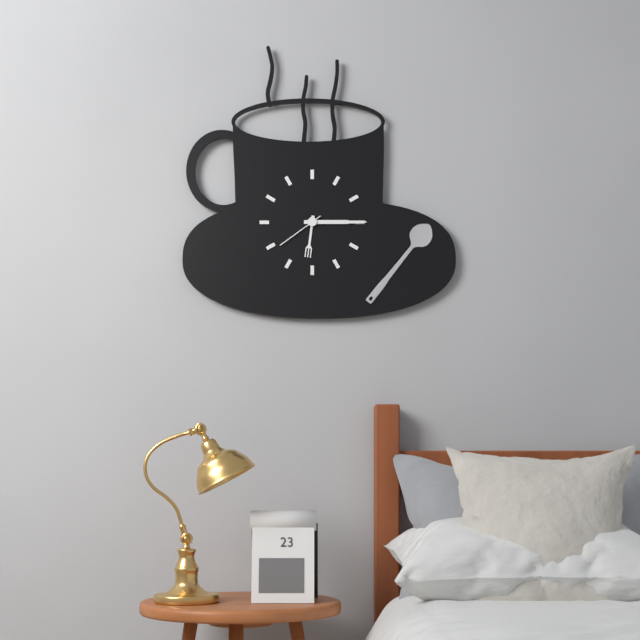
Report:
6,15
